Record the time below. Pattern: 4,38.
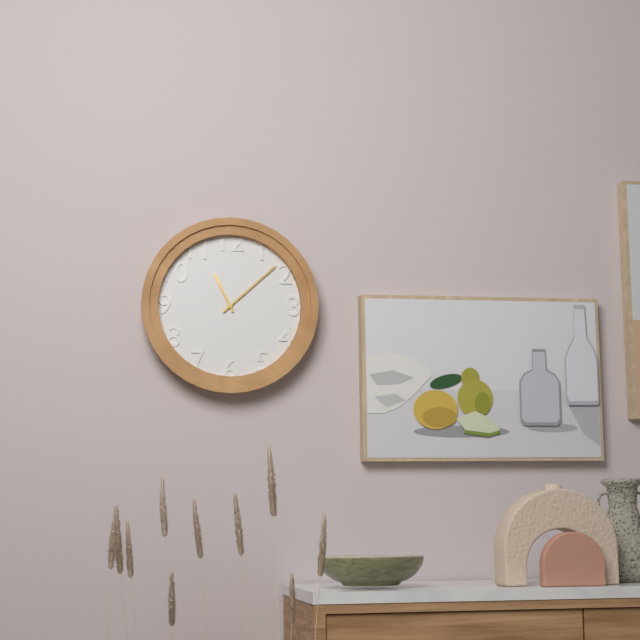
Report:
11,08
